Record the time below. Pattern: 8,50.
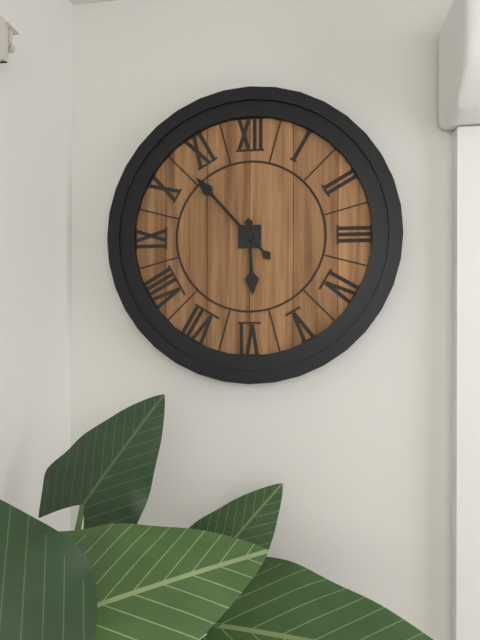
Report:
5,53
